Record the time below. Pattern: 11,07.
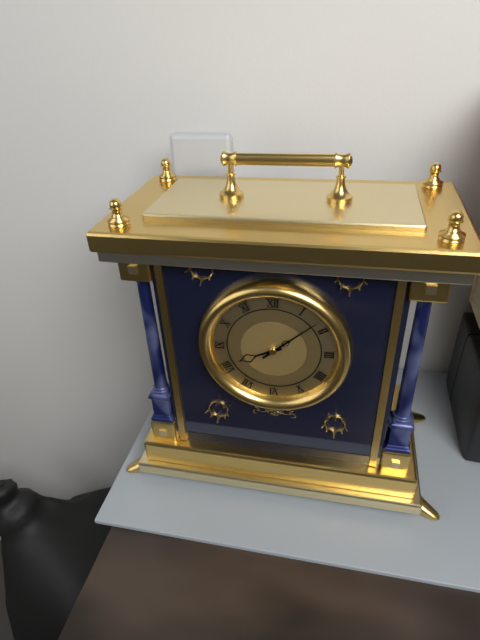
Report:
8,08
